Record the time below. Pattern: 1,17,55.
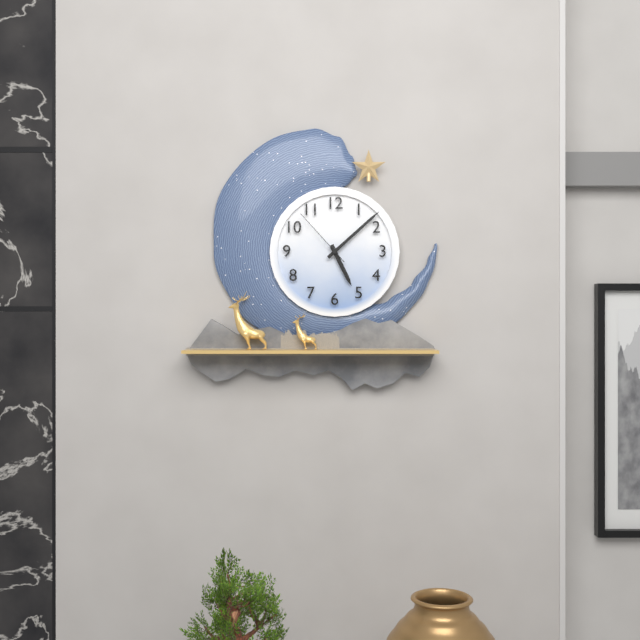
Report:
5,08,53
